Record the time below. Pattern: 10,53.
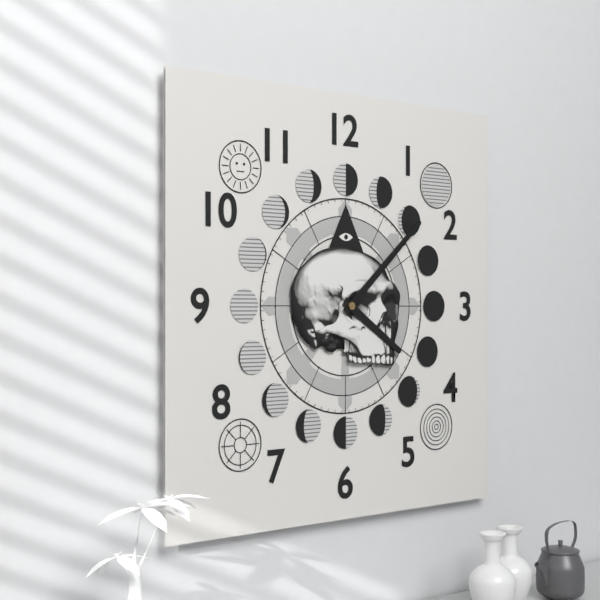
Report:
4,08
